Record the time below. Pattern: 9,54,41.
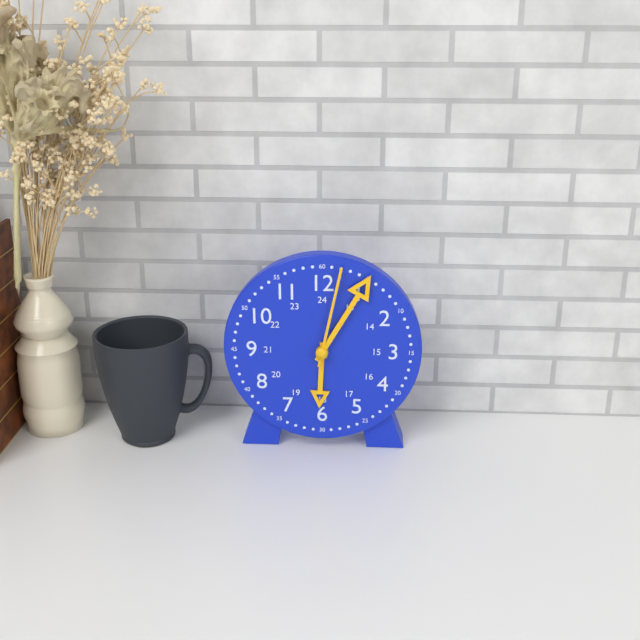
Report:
6,05,02
